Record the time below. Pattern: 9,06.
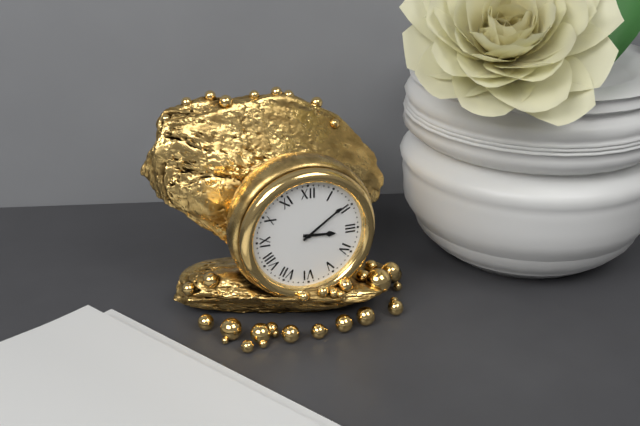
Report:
3,09
